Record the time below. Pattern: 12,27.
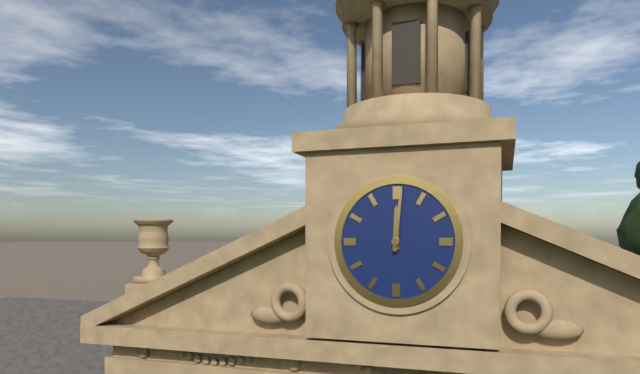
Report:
12,01
